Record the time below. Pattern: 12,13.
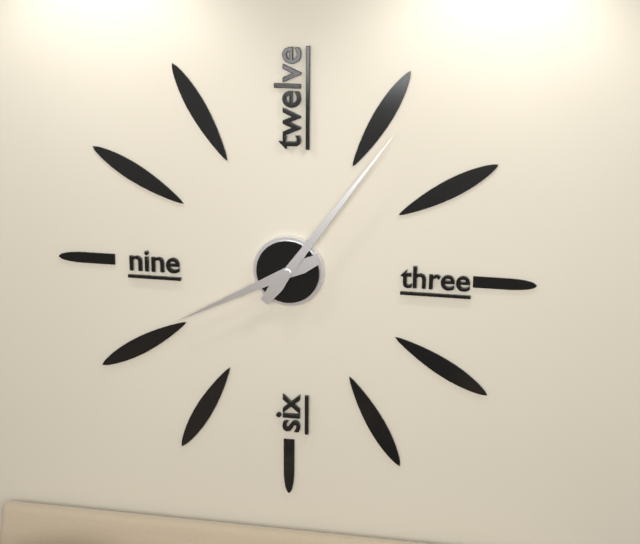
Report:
8,06
